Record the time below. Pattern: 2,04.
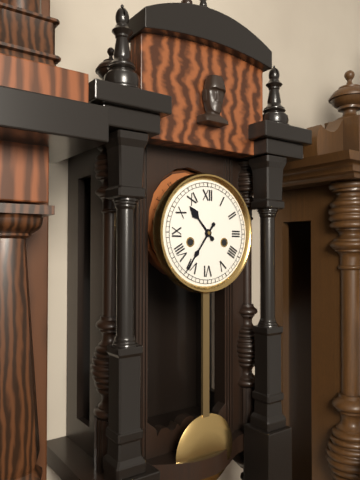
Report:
10,36
